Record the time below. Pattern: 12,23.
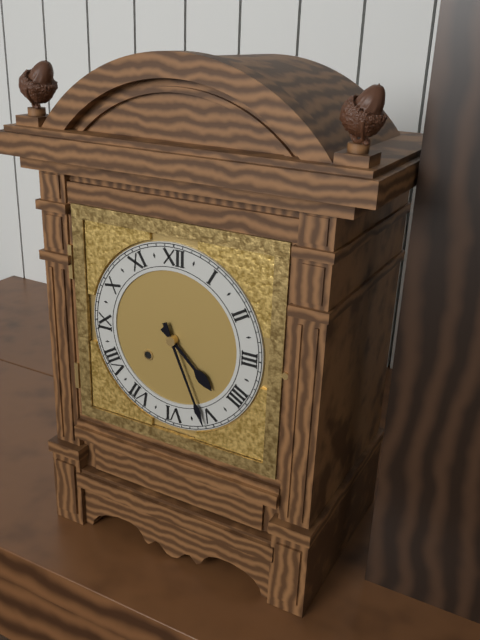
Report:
4,26
